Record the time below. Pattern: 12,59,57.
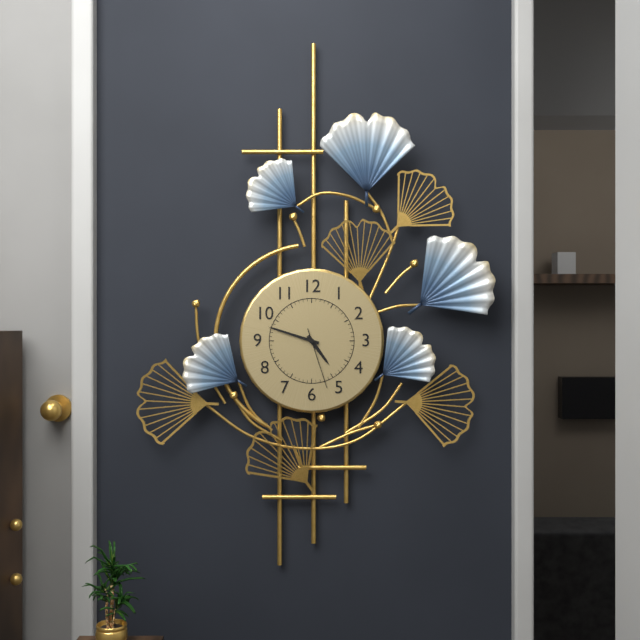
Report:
4,48,27
